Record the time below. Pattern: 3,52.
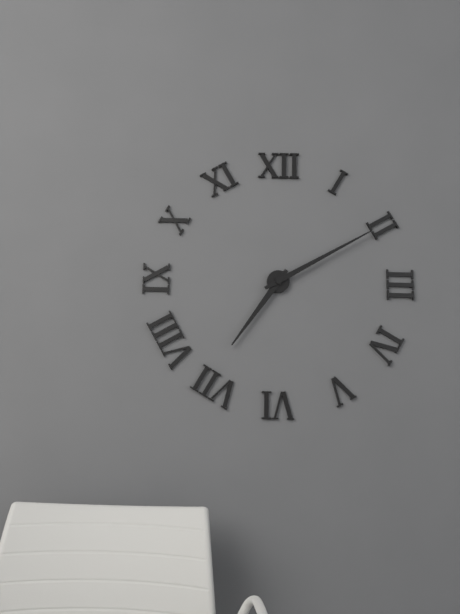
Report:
7,10
